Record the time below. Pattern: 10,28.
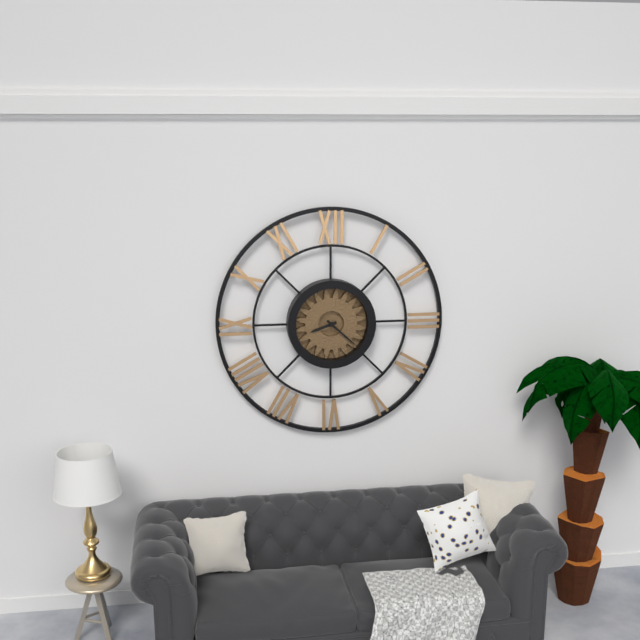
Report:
8,22
